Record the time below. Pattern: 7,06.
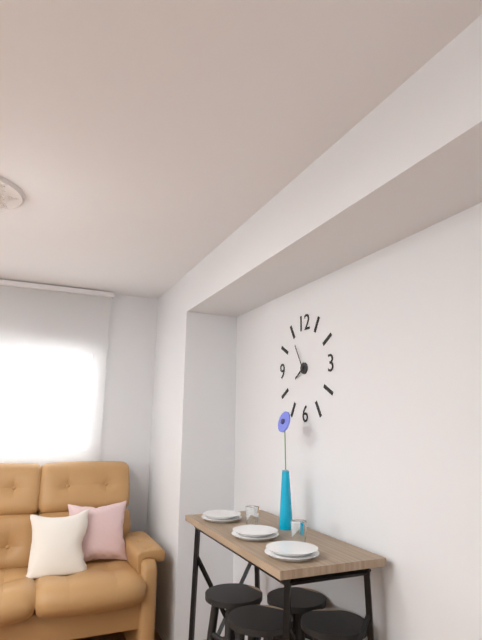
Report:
7,55
